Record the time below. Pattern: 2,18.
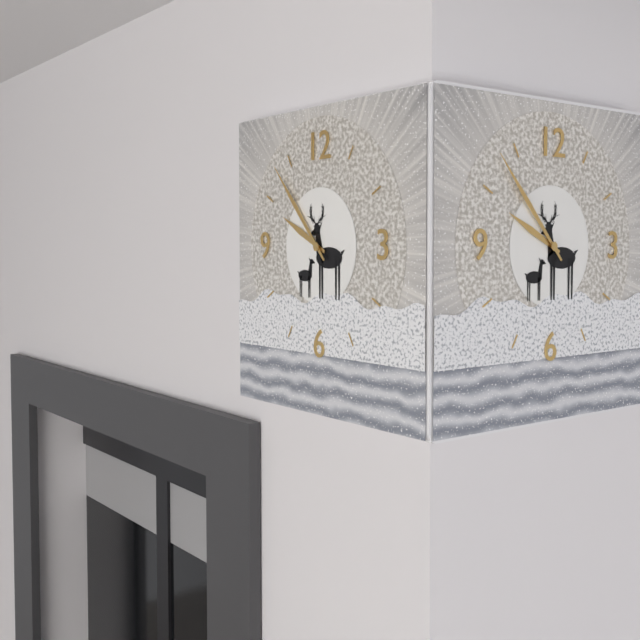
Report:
9,53
